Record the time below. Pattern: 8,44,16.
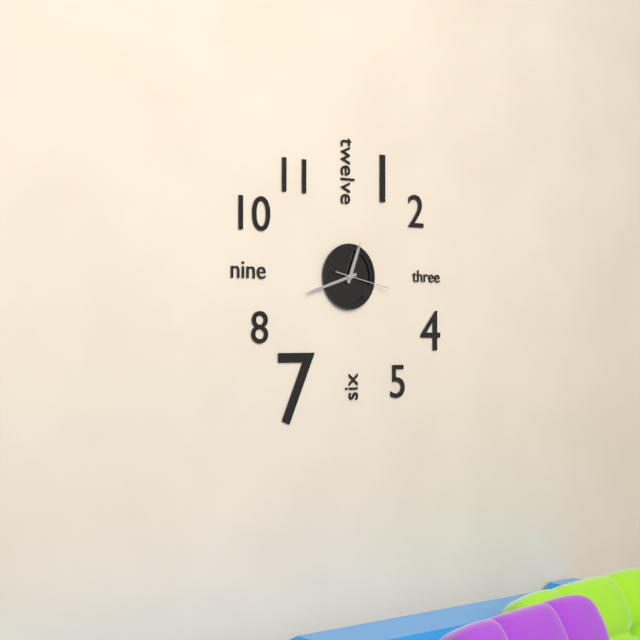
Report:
12,42,17
